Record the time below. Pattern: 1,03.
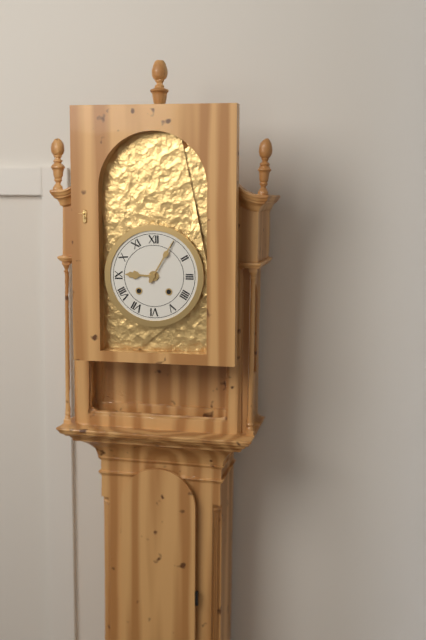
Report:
9,05
